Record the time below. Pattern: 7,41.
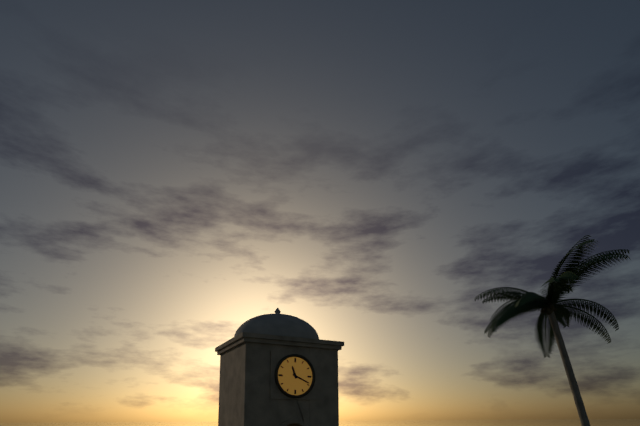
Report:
11,19
